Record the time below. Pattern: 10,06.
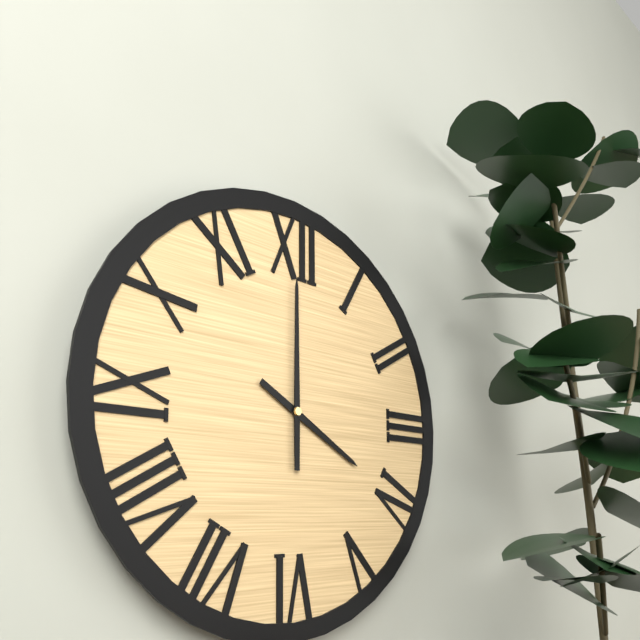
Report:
4,00
